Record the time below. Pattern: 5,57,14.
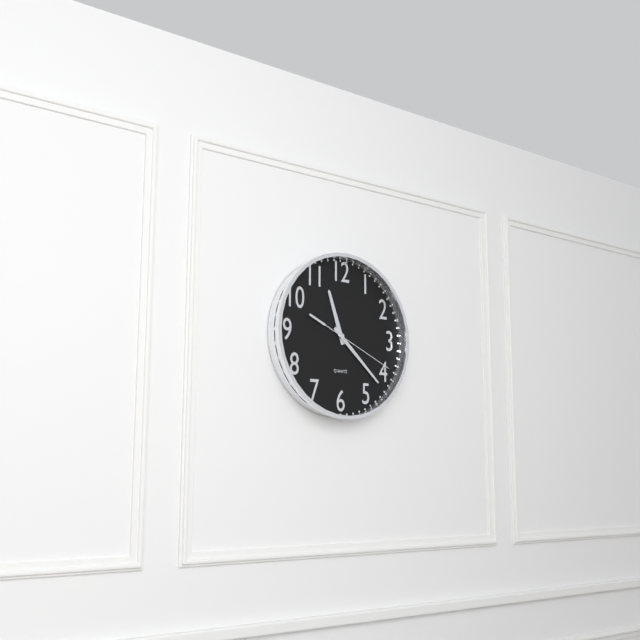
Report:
11,22,19
